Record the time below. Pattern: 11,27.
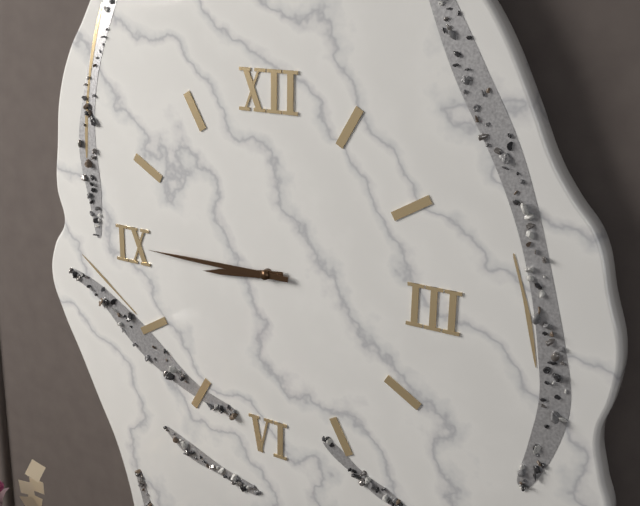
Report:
8,45
